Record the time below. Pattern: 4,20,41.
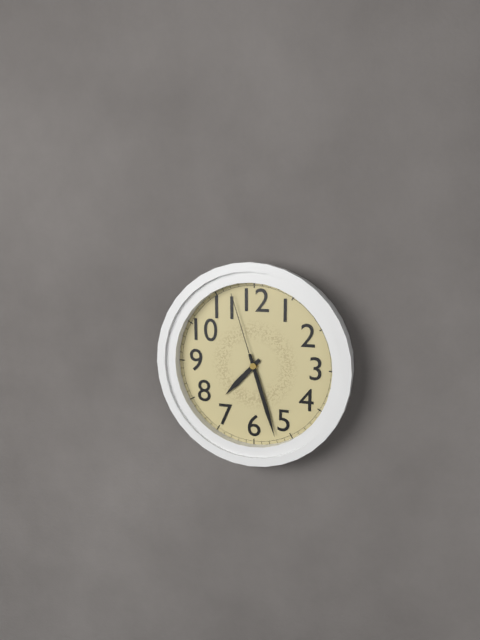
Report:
7,27,57
